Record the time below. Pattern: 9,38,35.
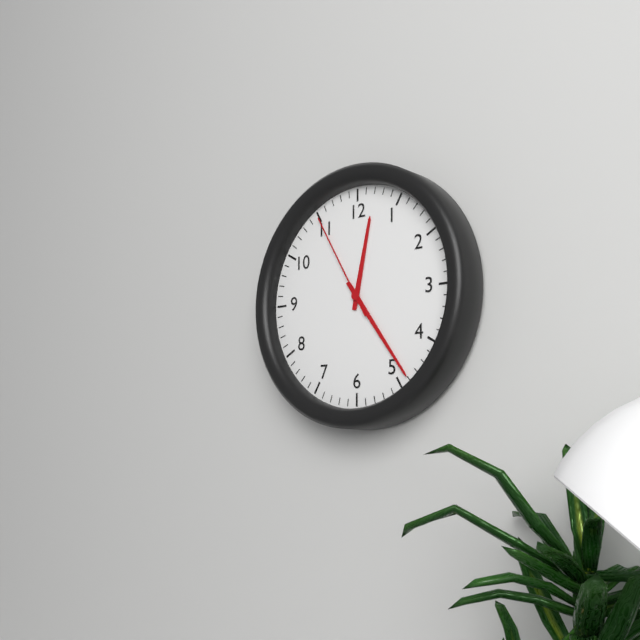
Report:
12,24,55
